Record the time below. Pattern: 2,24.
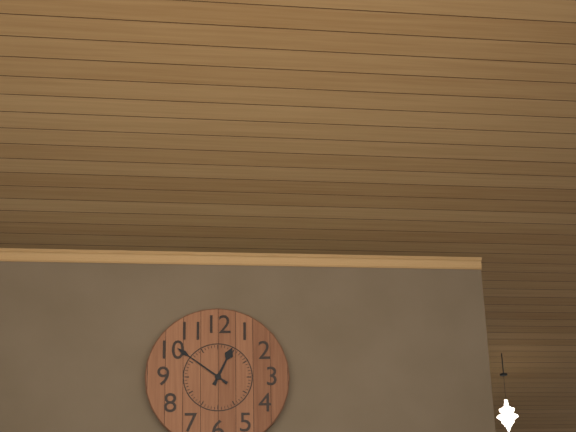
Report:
12,51
